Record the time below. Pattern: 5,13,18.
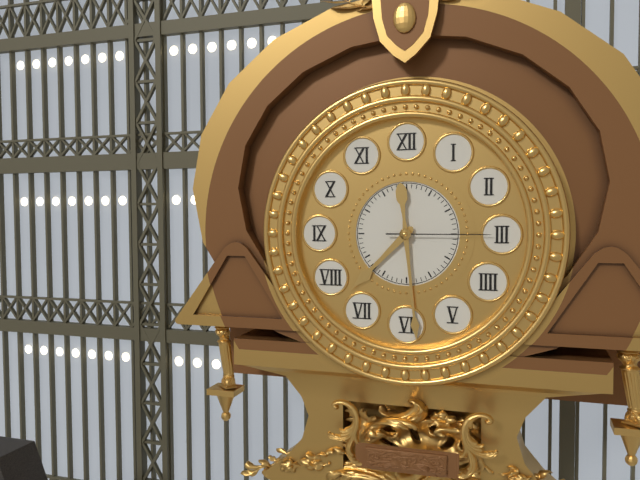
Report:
7,29,15
